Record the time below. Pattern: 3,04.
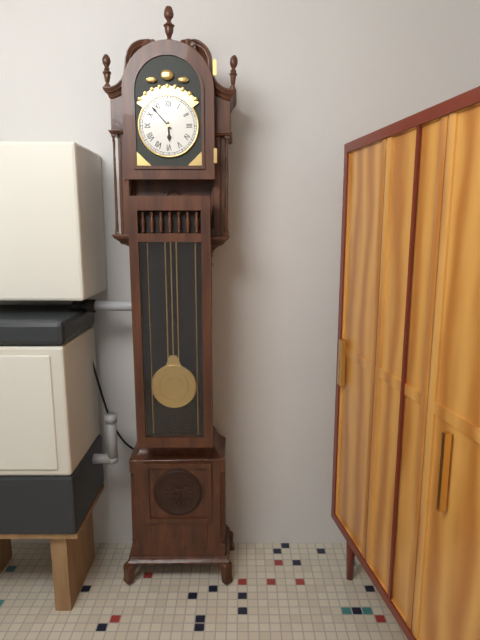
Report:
5,53
